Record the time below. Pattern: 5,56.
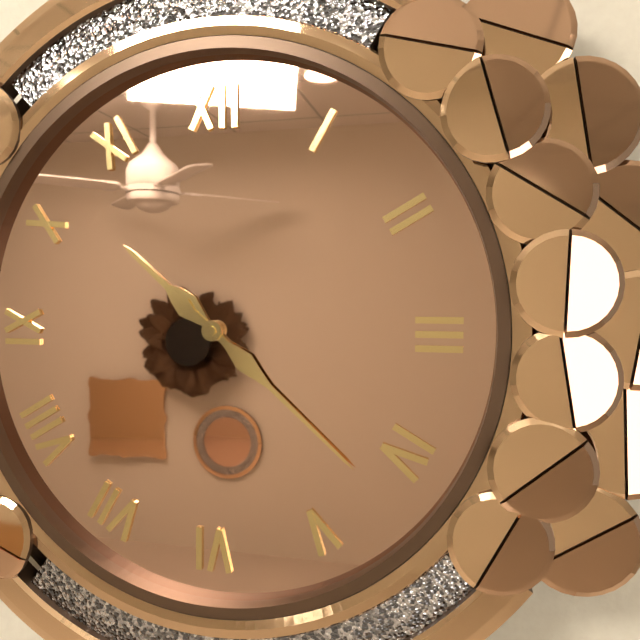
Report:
10,22
